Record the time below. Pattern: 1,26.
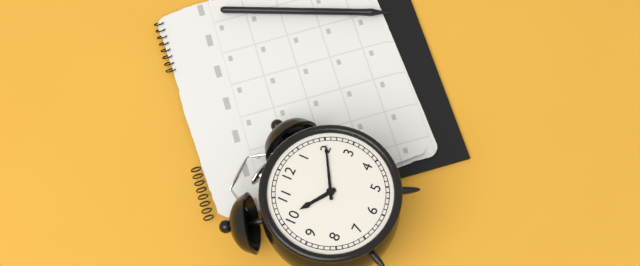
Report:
10,10
